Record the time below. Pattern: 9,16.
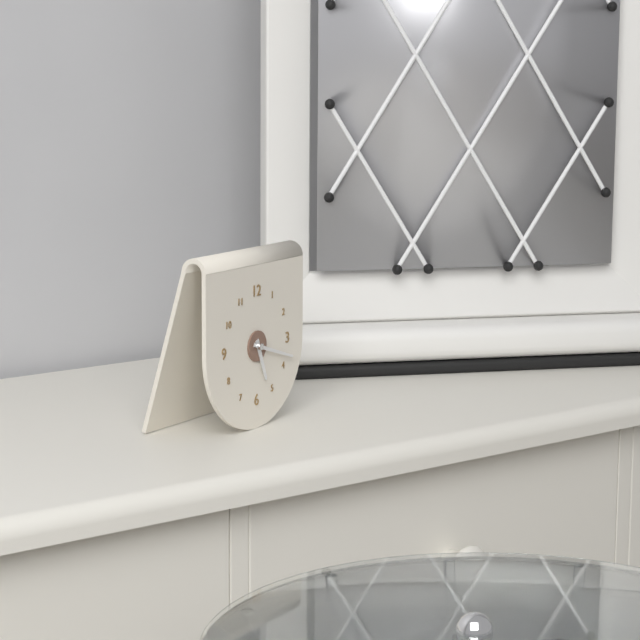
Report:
5,18
